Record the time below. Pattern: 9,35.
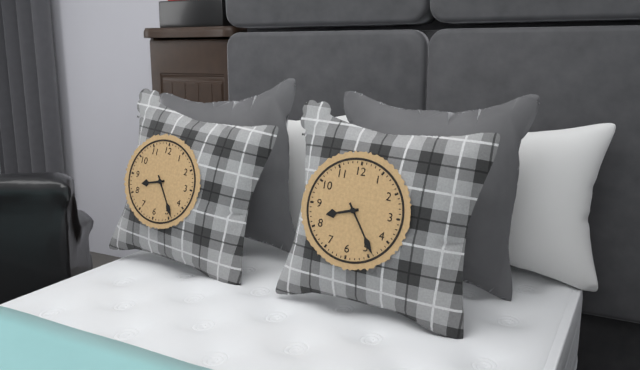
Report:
8,24
